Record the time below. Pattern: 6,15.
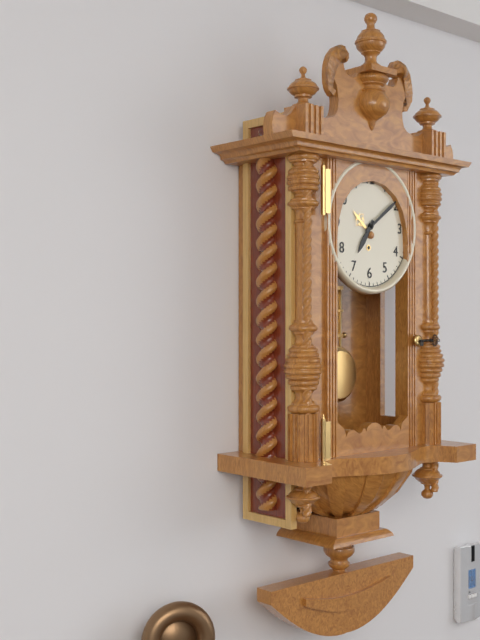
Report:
7,09
